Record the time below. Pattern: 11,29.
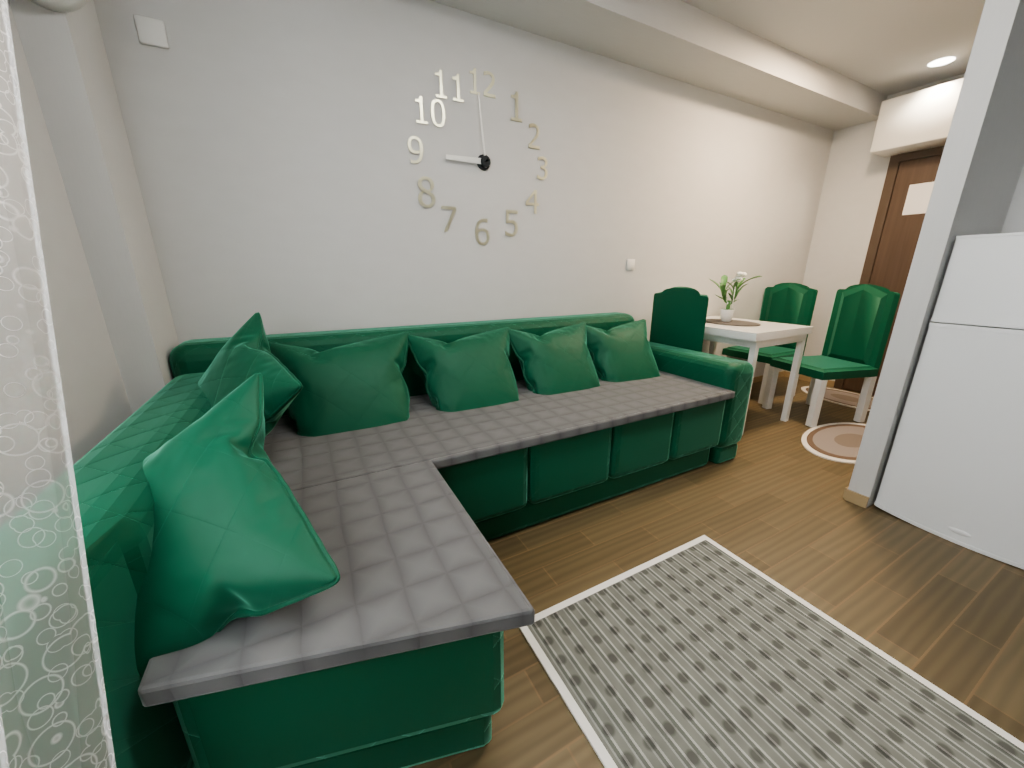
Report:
8,59
